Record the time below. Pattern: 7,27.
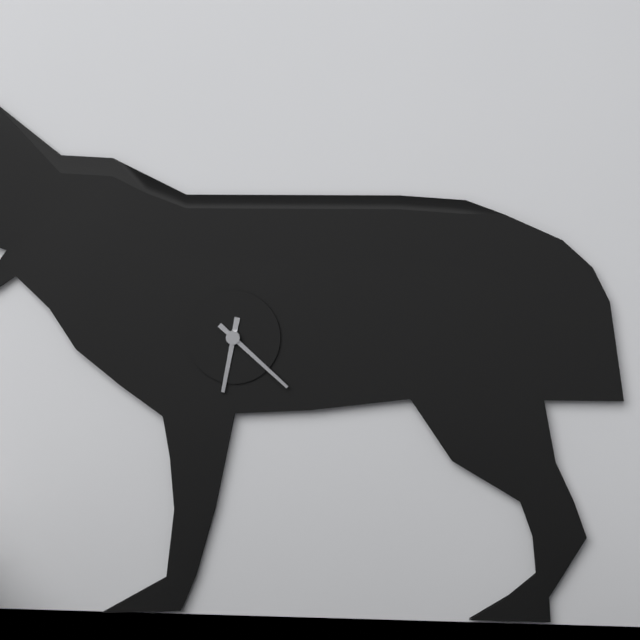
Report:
6,22
